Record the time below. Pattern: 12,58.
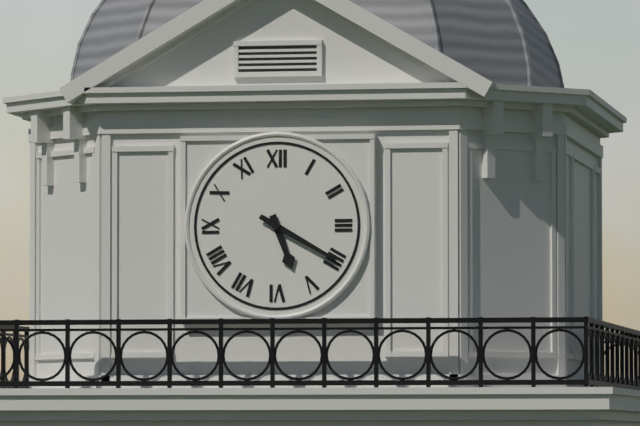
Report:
5,20
